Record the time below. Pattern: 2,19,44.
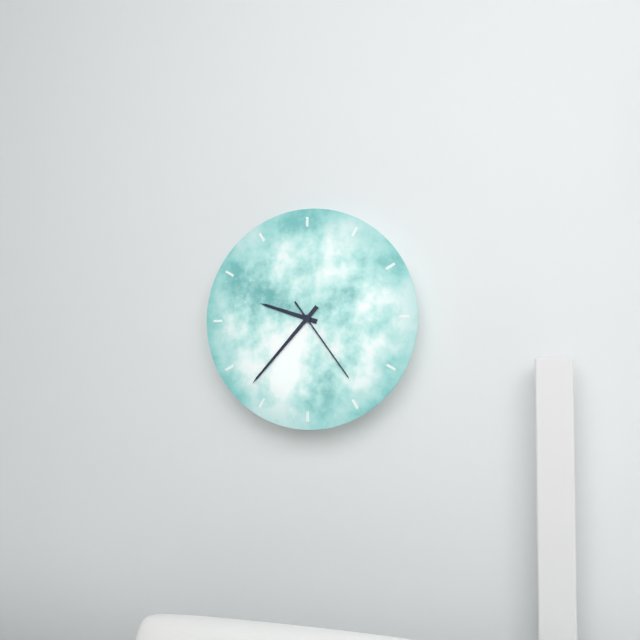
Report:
9,37,24
